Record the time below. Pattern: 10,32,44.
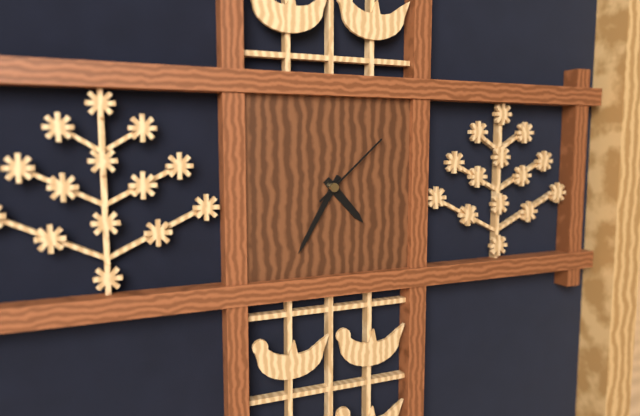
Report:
4,35,08
